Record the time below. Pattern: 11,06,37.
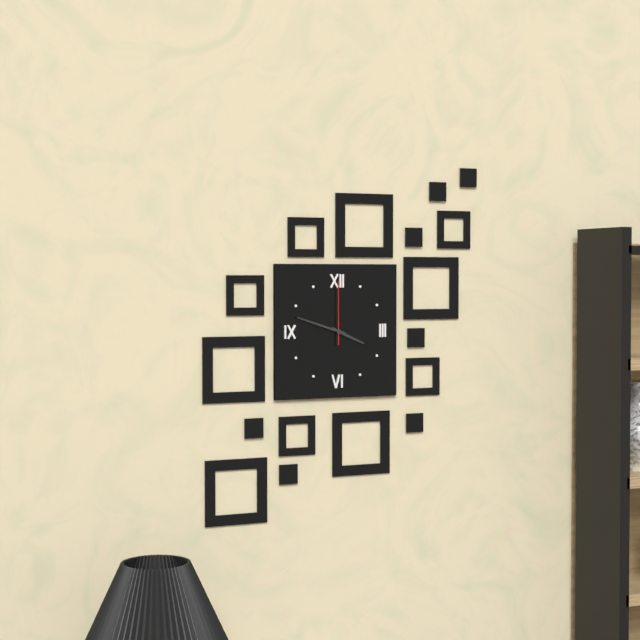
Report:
3,48,00
